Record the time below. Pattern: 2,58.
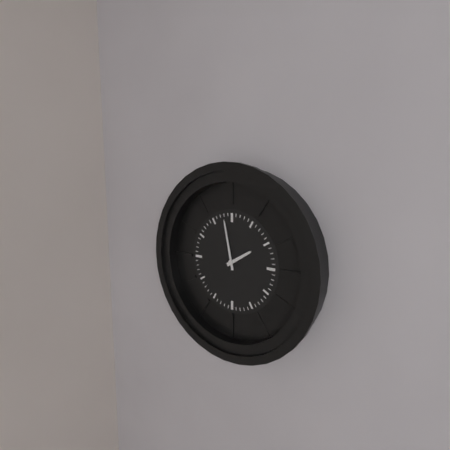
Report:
1,58
